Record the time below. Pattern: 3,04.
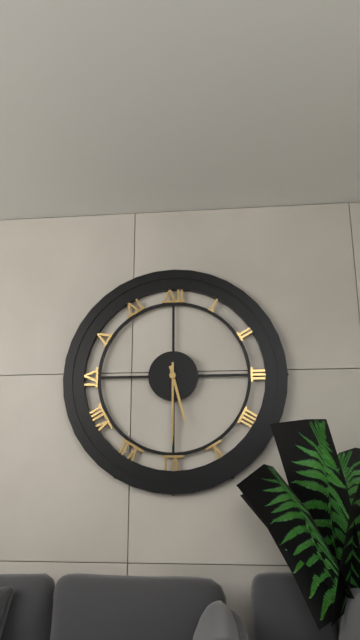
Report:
5,30
